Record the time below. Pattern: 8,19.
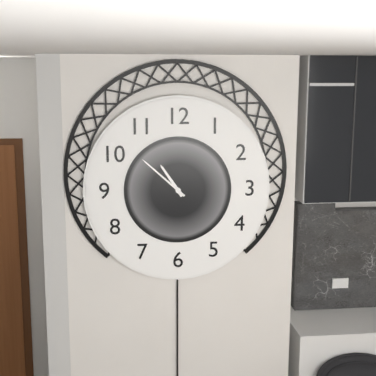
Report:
10,52
